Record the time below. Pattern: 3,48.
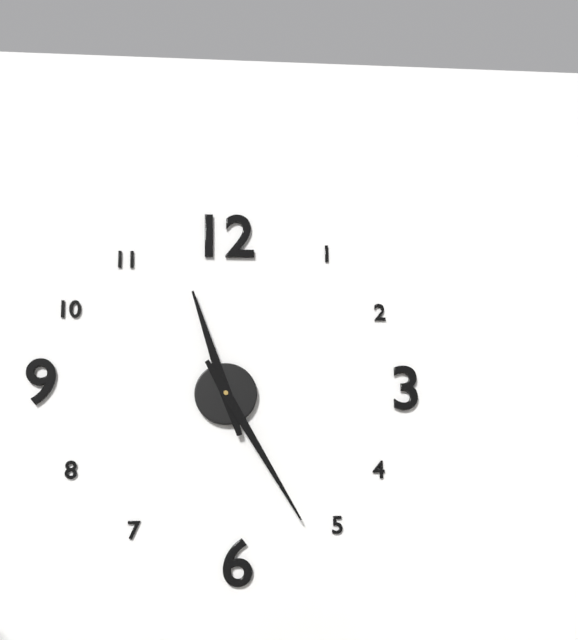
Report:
11,25
